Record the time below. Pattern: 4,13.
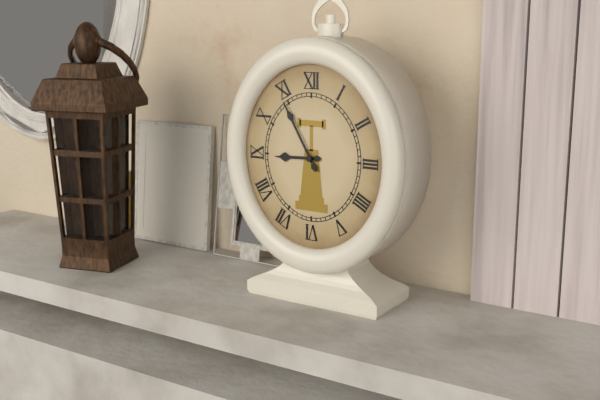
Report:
8,55
